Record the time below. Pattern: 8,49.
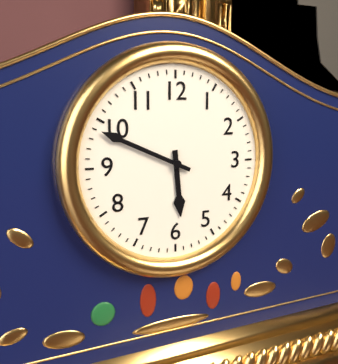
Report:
5,49
